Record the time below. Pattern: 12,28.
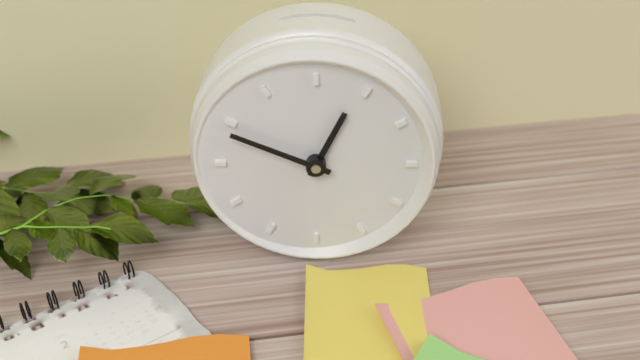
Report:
12,49
